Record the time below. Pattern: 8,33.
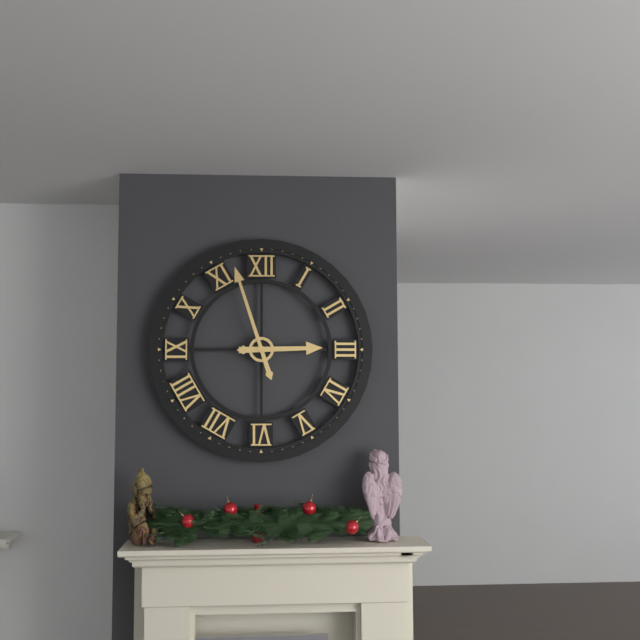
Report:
2,57
